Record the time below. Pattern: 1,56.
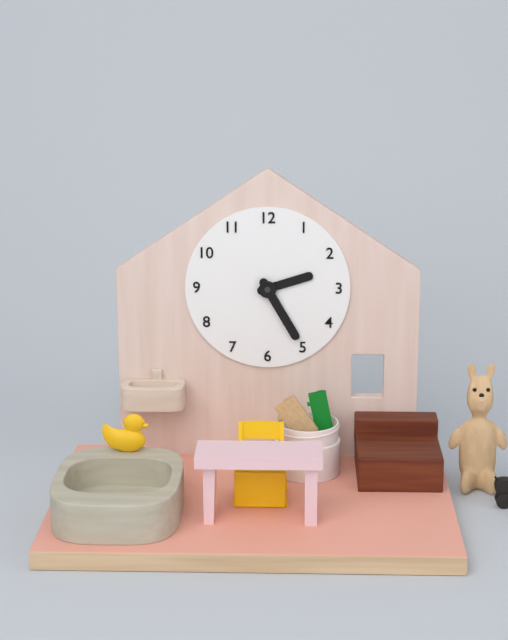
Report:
2,25
